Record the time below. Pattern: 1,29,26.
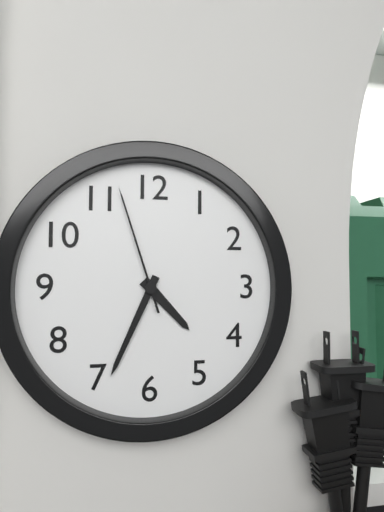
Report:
4,34,57
